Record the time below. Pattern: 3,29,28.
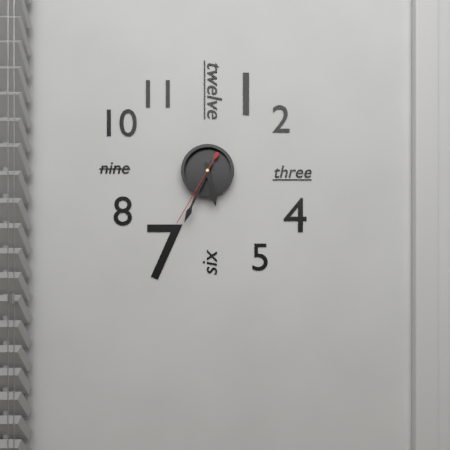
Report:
5,34,35
